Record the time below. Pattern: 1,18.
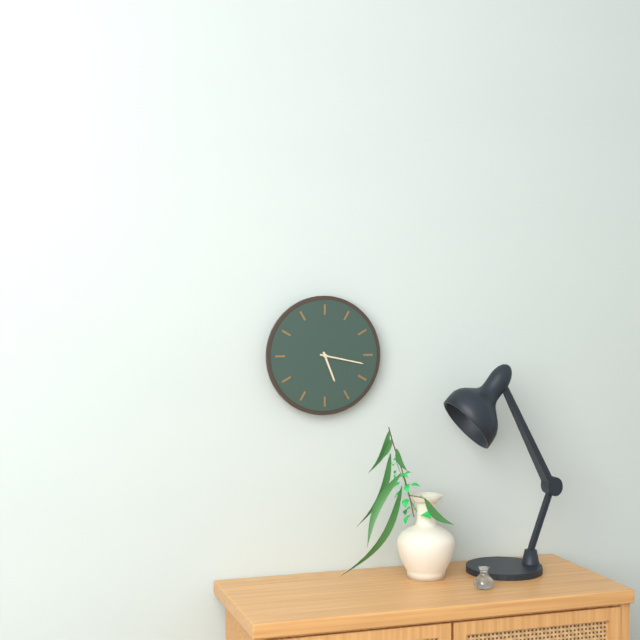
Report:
5,17
